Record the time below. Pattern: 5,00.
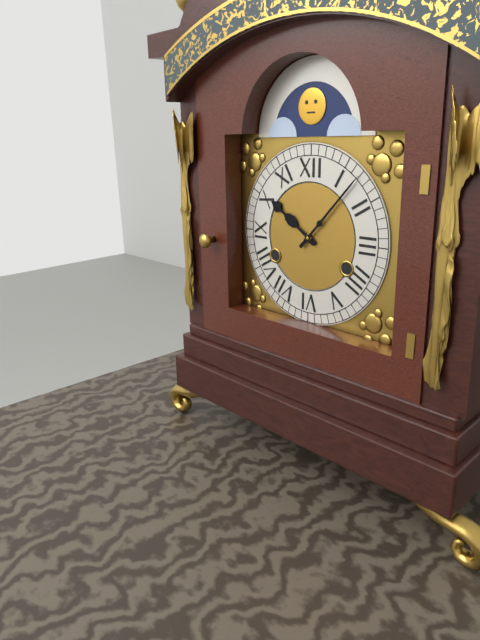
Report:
10,07
